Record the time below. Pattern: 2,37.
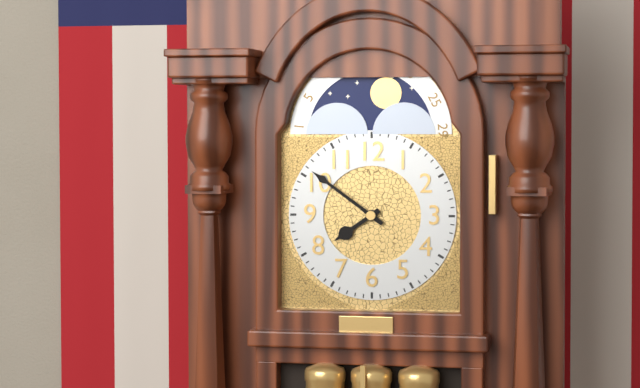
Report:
7,51
